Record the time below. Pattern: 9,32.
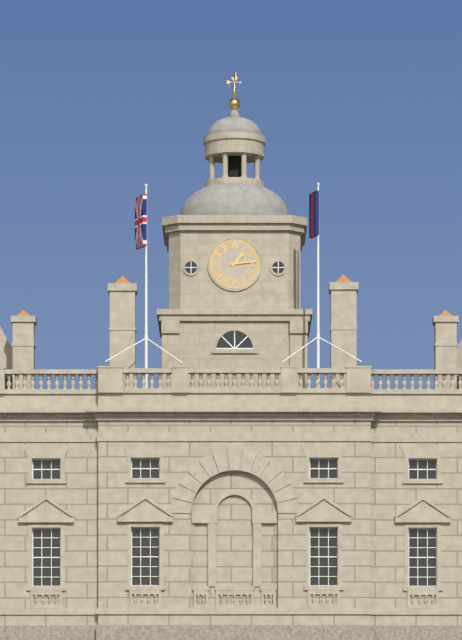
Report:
1,14
